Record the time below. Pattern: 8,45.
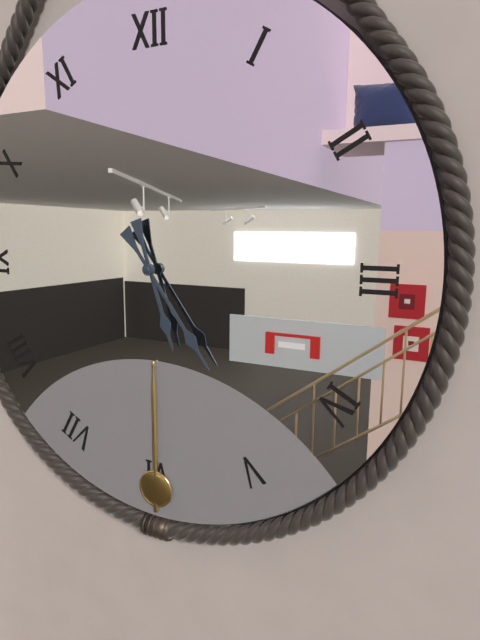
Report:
5,24
